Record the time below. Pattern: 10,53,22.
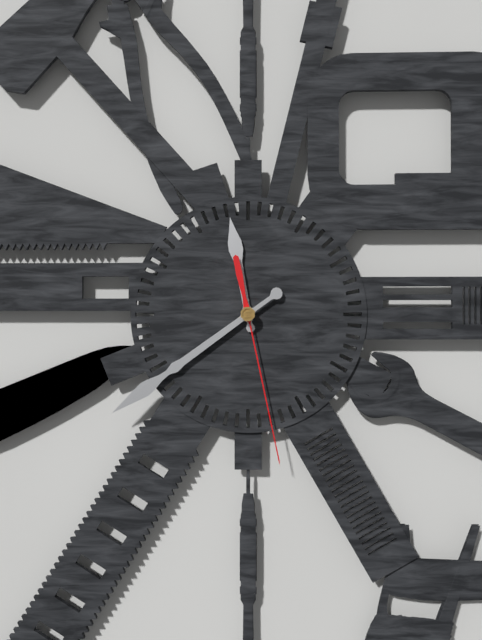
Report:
11,39,28
